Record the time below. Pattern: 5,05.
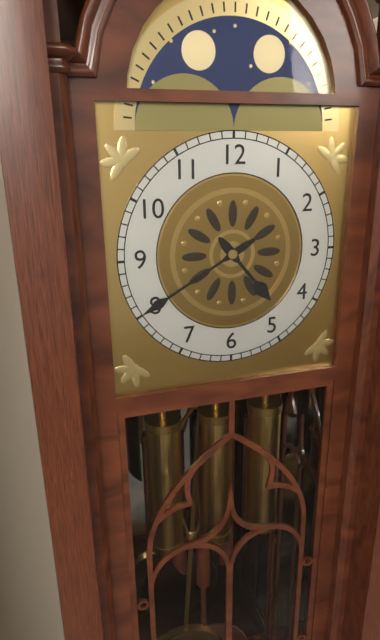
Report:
4,40
